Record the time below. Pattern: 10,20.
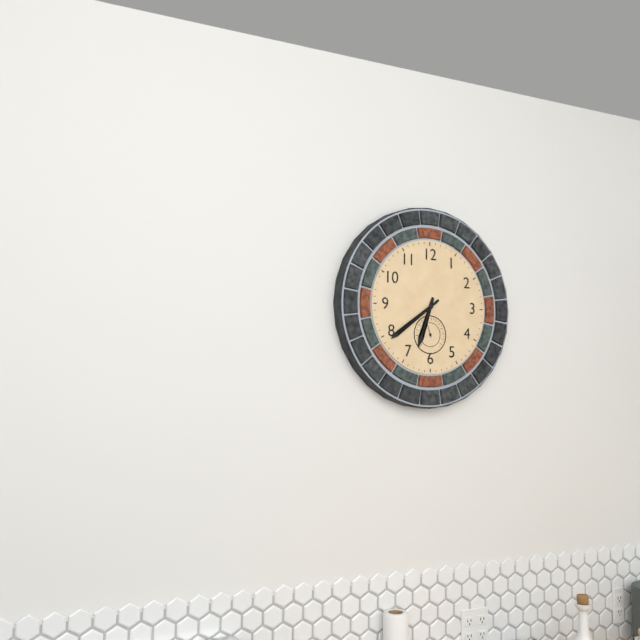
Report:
6,39
